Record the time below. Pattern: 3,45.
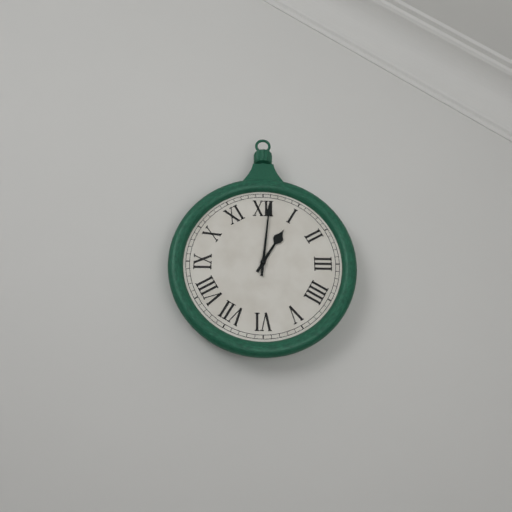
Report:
1,01
